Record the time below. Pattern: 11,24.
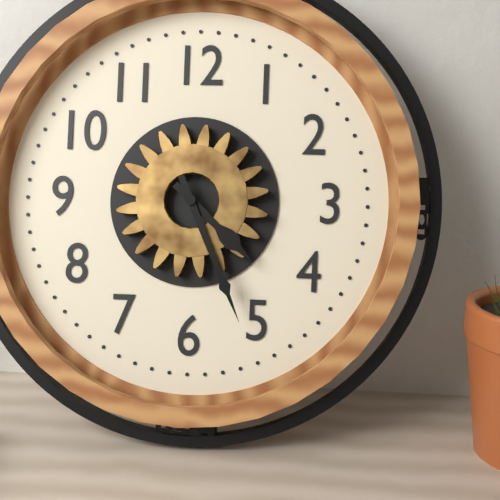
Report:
4,26
